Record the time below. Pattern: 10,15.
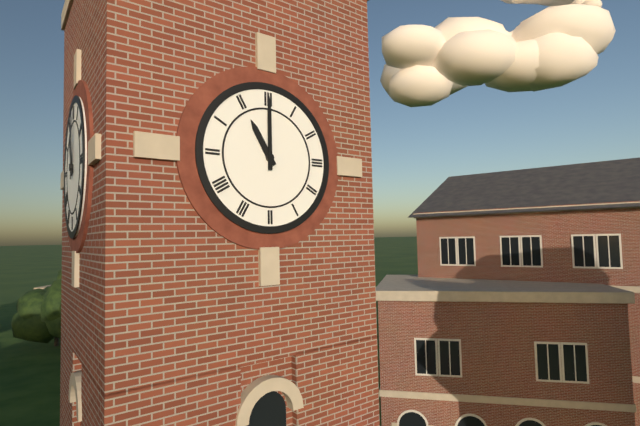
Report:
11,00
